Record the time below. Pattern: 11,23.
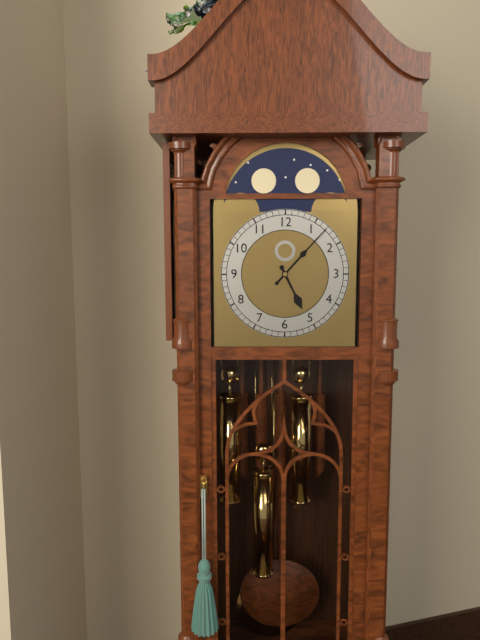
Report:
5,07
